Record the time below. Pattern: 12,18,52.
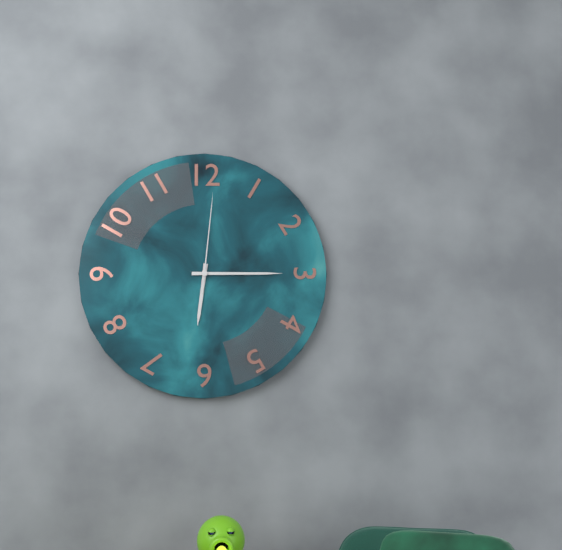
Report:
6,15,01
